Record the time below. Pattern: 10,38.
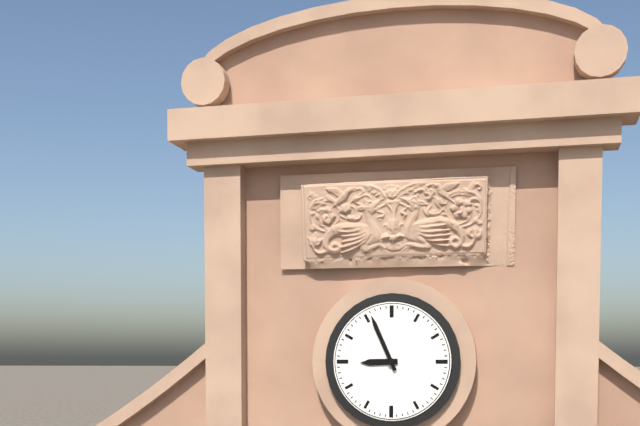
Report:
8,56
